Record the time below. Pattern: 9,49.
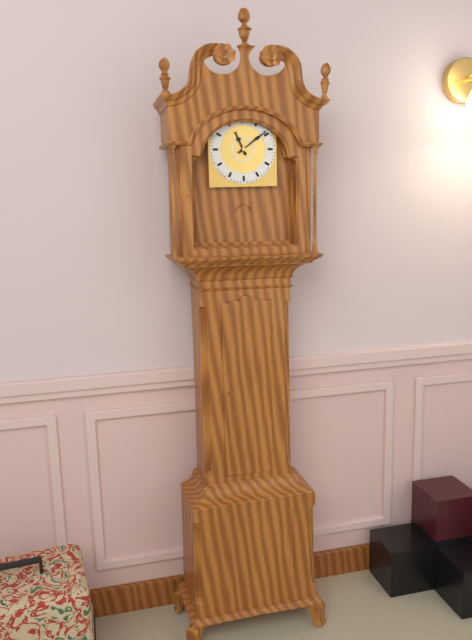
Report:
11,09
